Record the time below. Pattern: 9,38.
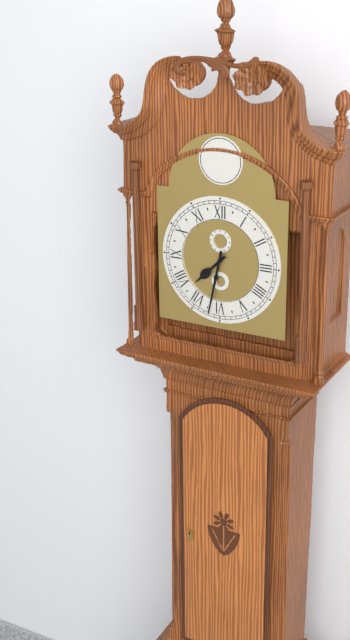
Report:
7,32
